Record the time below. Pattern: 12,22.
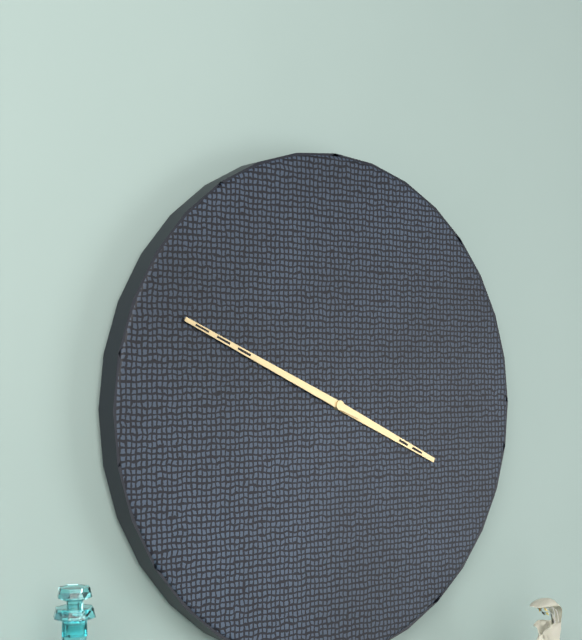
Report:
3,49
